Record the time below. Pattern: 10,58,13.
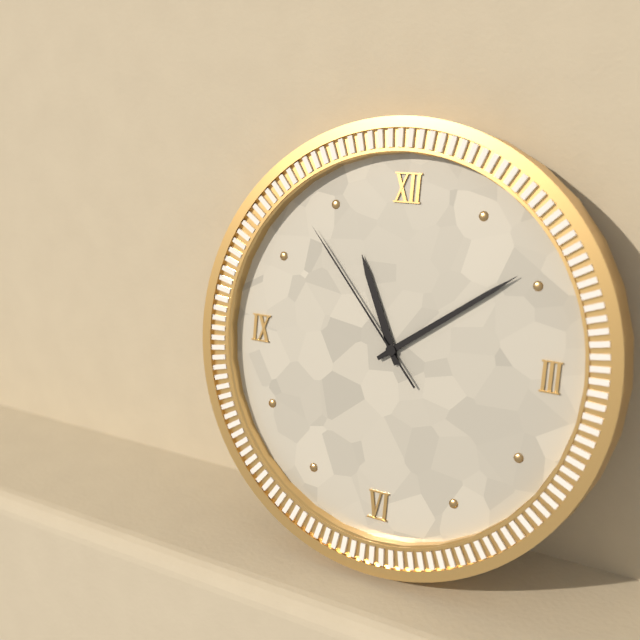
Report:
11,09,53
